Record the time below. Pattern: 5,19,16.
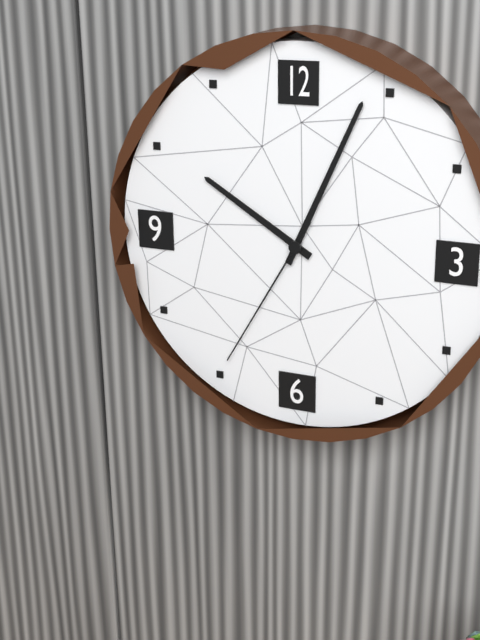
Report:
10,04,35
